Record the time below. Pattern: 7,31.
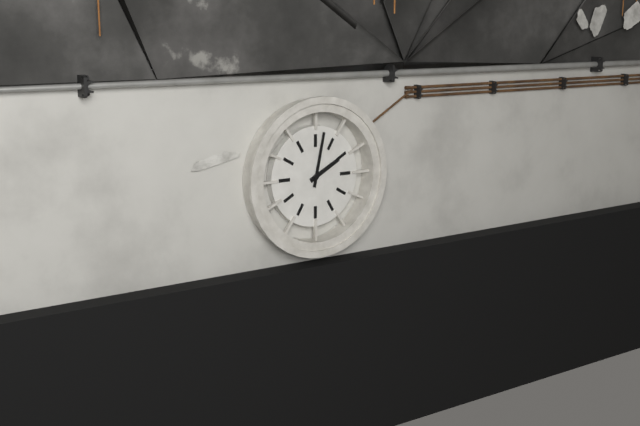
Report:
2,02
